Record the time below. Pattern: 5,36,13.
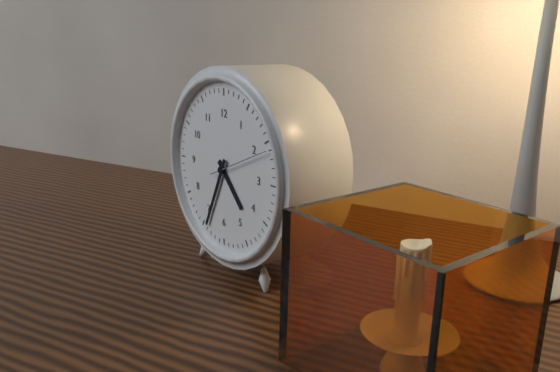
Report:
4,34,11
